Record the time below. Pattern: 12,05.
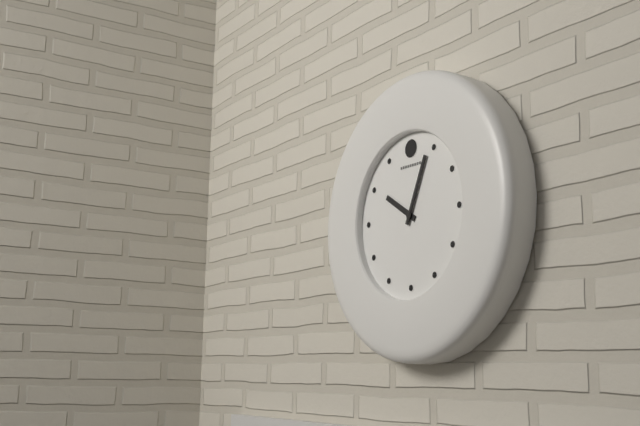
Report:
10,04
